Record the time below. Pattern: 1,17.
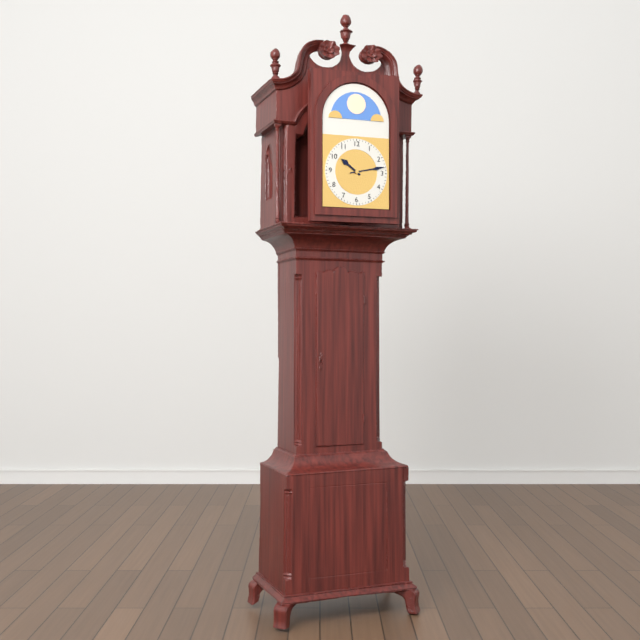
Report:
10,13
